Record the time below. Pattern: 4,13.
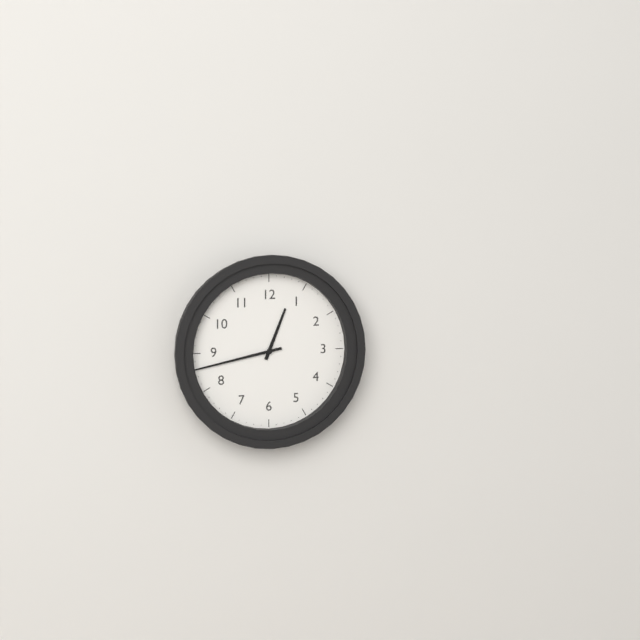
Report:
12,43
